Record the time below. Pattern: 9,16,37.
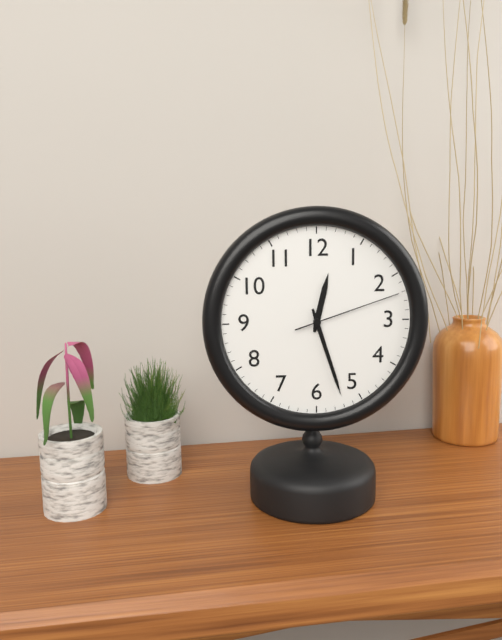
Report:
12,27,12
